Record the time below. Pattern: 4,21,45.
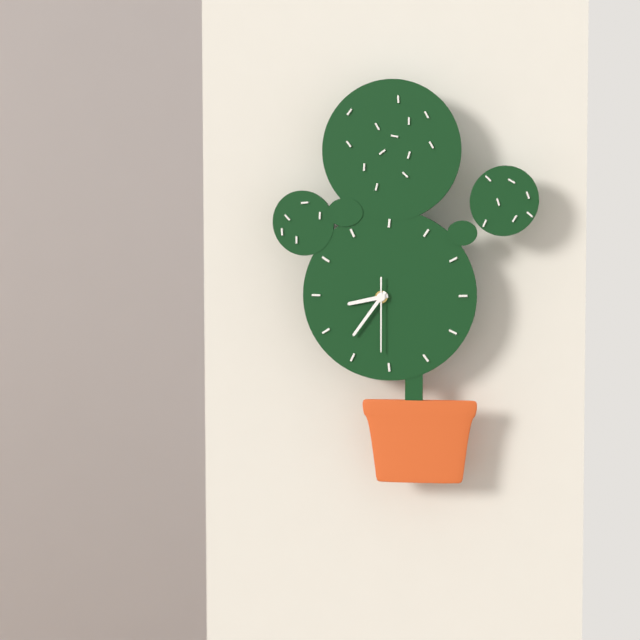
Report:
8,36,30
